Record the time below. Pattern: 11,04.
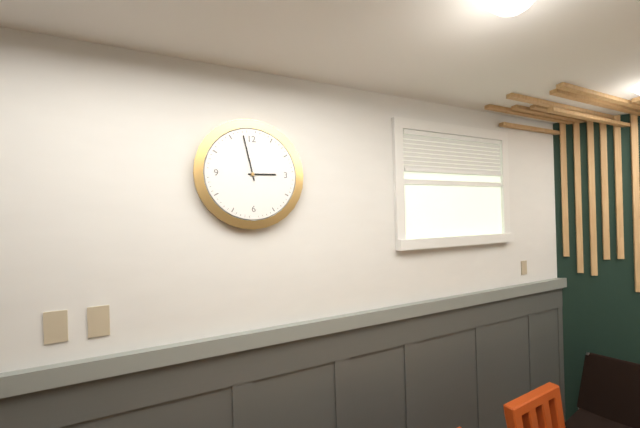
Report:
2,58
